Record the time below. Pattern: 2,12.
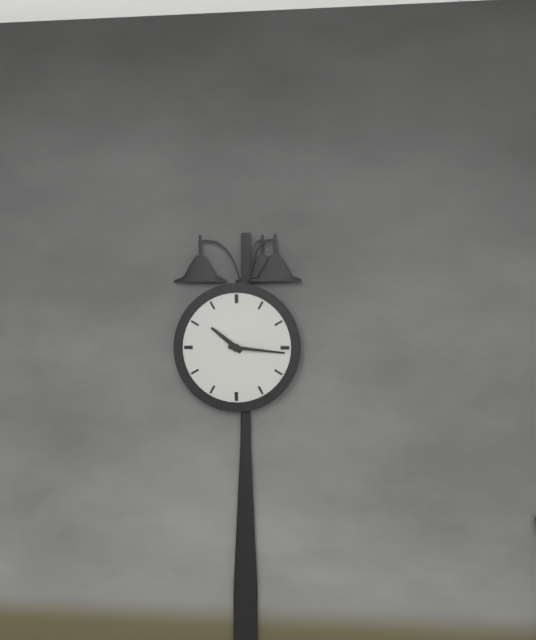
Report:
10,16
